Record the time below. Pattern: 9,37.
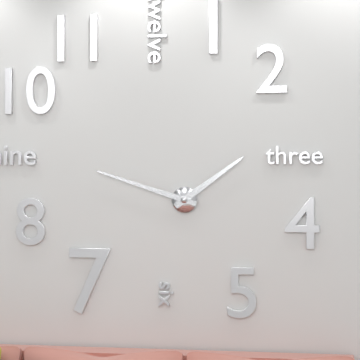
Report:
1,48
